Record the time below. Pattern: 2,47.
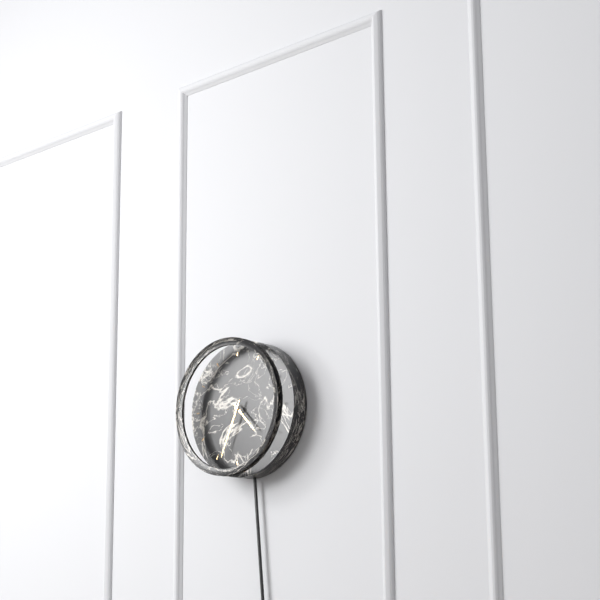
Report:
4,34
